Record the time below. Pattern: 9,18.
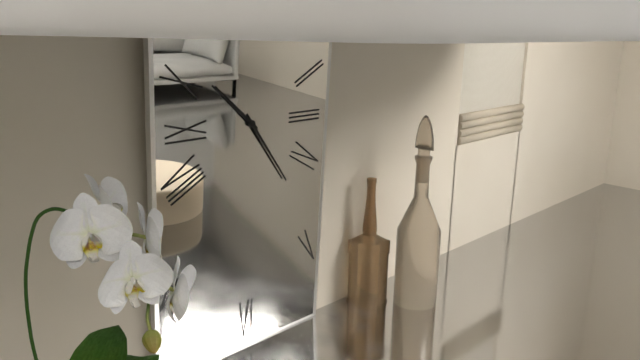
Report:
10,24
